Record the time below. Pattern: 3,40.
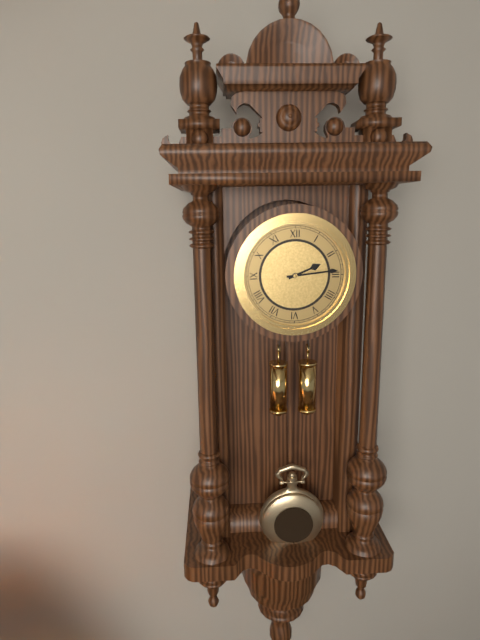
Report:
2,14
